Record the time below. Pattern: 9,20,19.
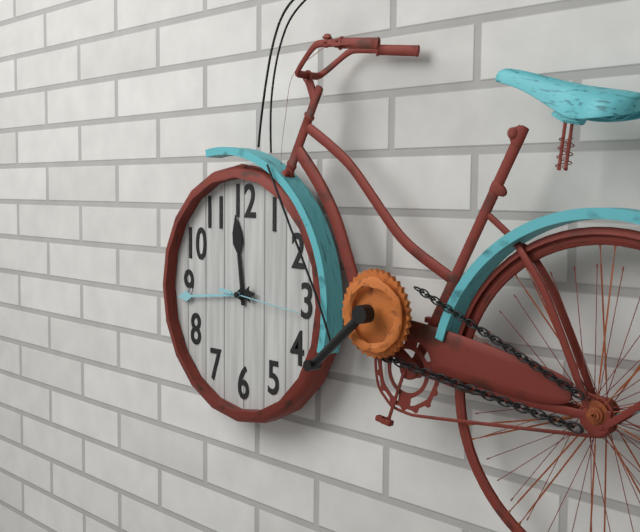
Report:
11,44,16
